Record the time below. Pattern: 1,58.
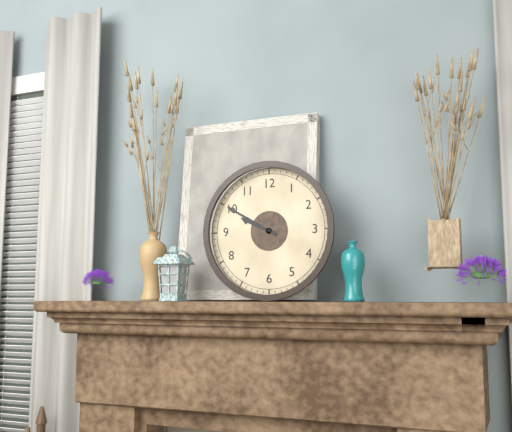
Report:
9,50
